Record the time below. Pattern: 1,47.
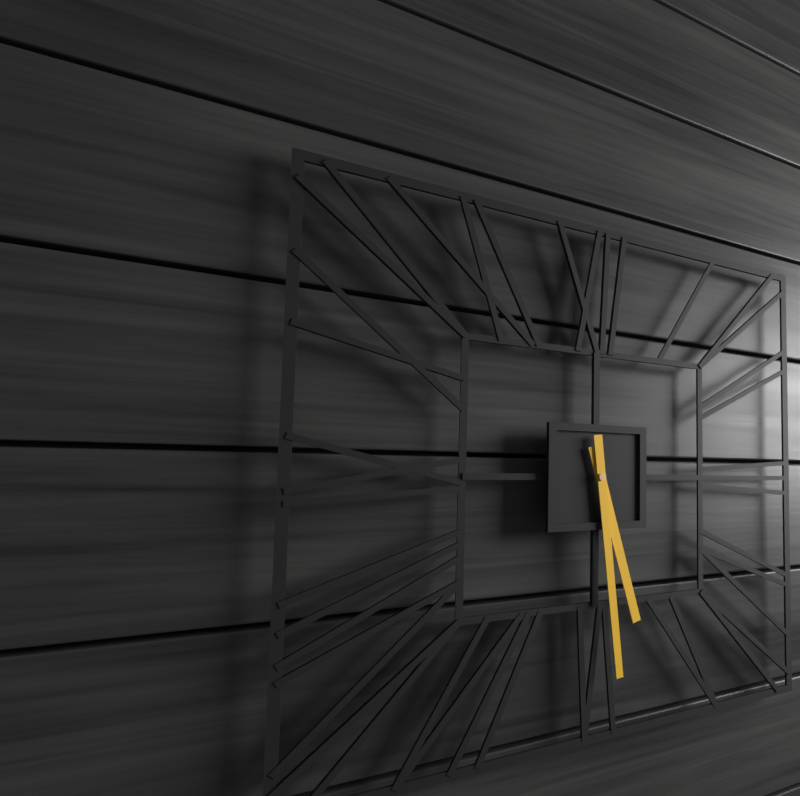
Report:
5,29
